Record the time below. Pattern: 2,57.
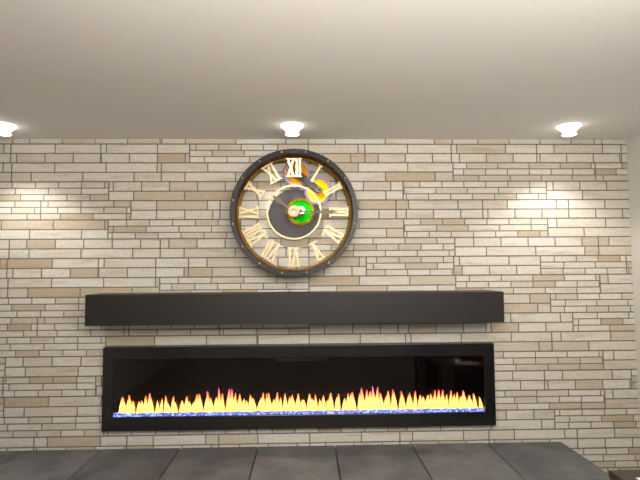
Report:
10,15
